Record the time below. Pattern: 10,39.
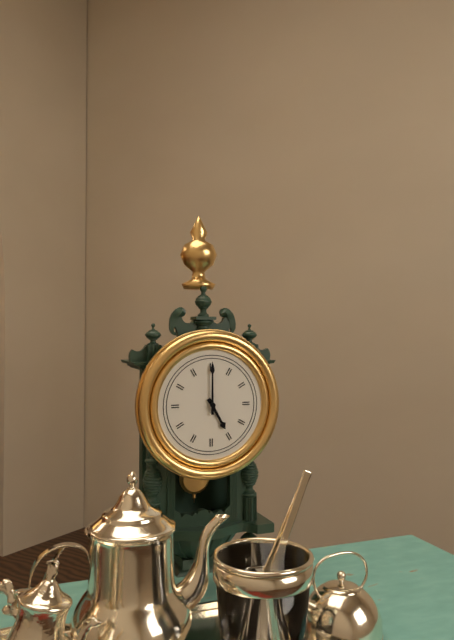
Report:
5,00
